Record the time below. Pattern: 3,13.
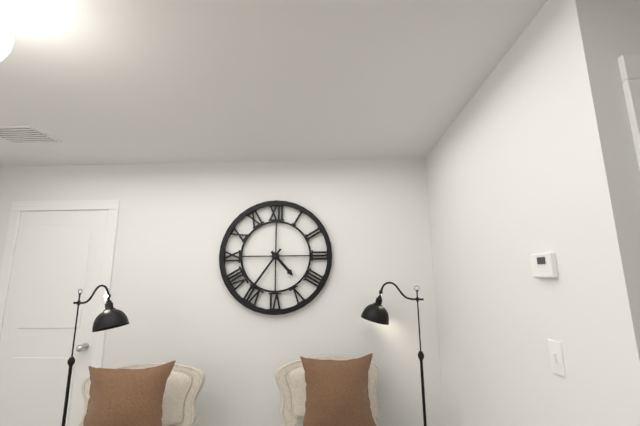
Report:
4,36
